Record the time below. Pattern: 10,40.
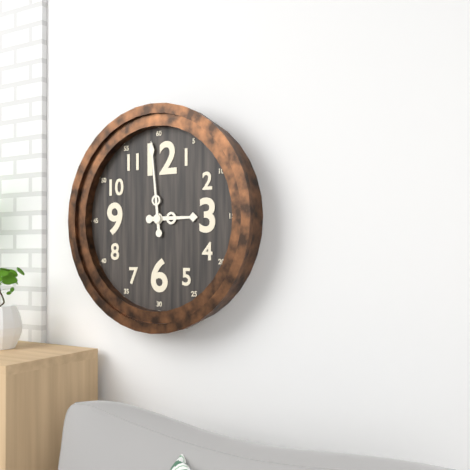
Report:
2,59
